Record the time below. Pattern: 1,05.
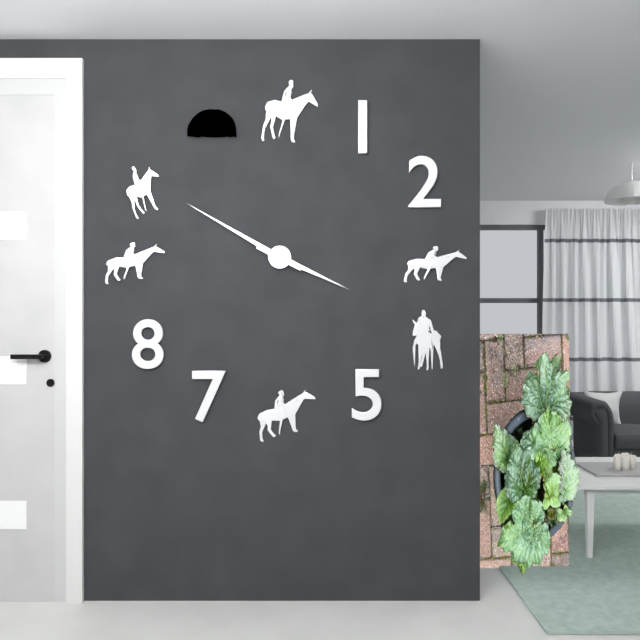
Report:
3,50
